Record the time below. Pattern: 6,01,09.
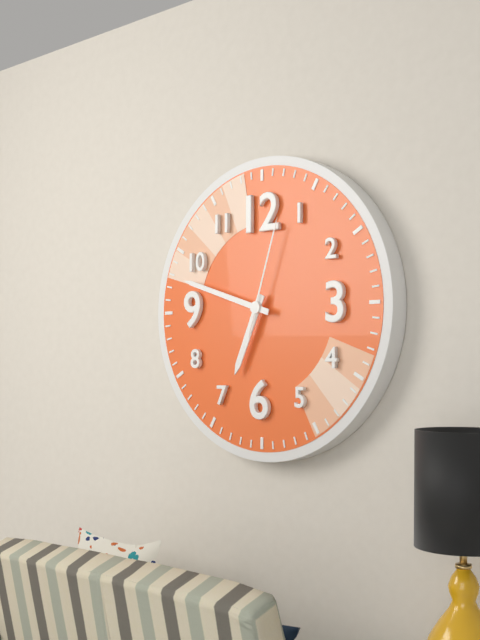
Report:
6,48,03
